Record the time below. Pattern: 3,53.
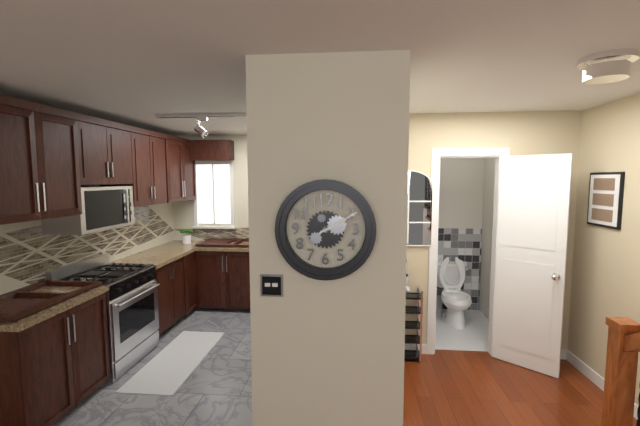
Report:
2,10
